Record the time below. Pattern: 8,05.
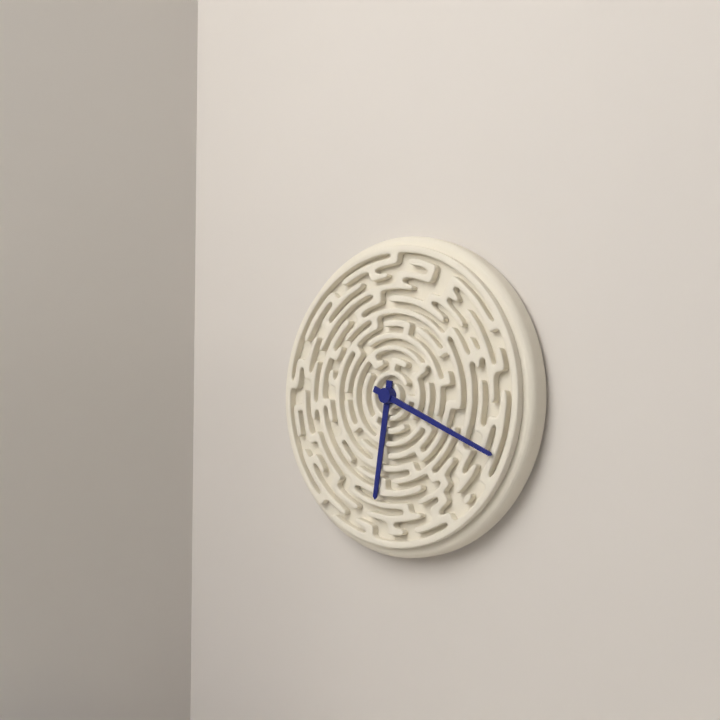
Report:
6,19
